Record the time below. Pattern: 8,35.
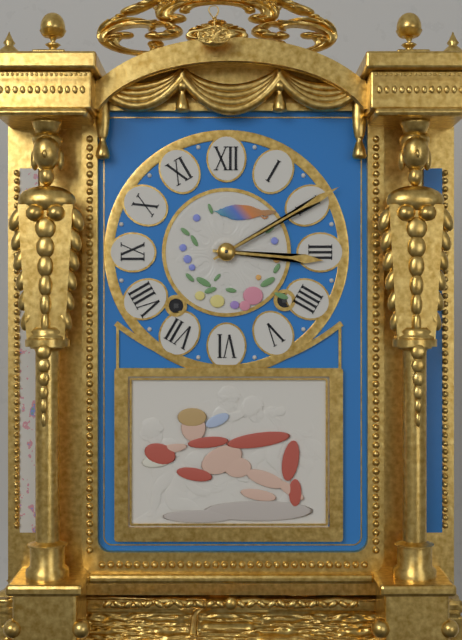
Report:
3,10
